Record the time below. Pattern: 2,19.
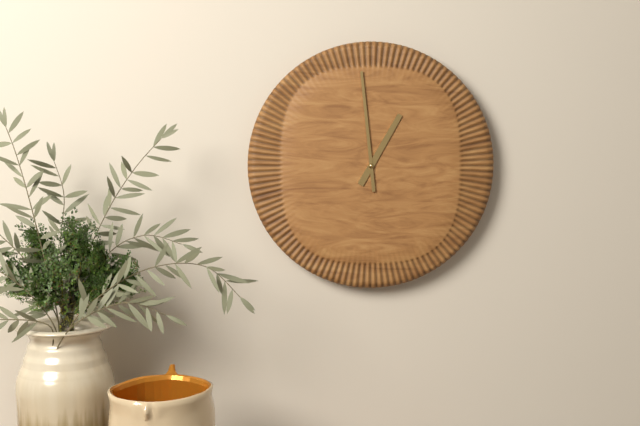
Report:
12,59
